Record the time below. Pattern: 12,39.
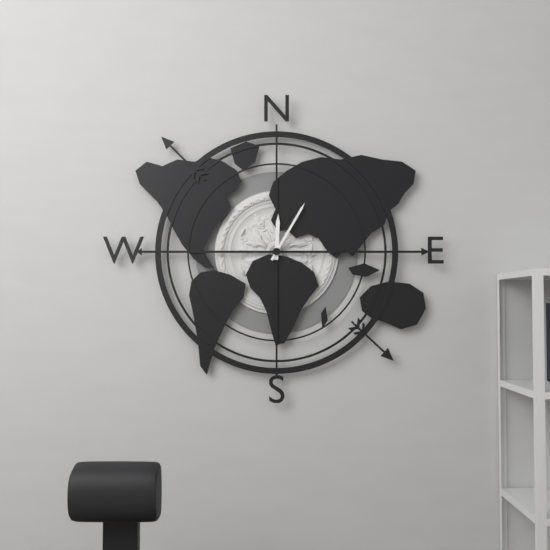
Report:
12,05
